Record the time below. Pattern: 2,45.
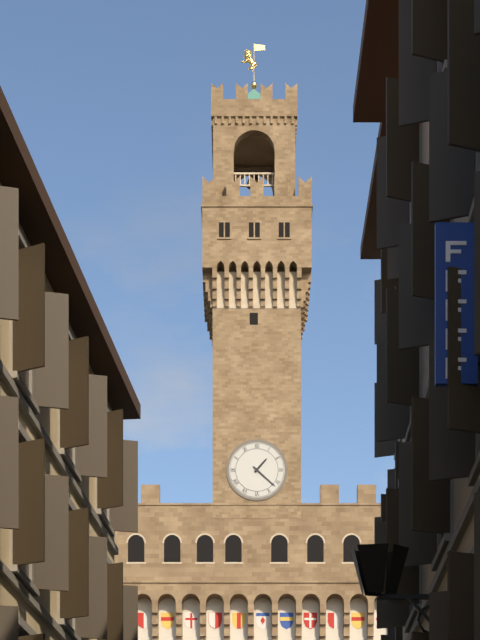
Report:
1,22
